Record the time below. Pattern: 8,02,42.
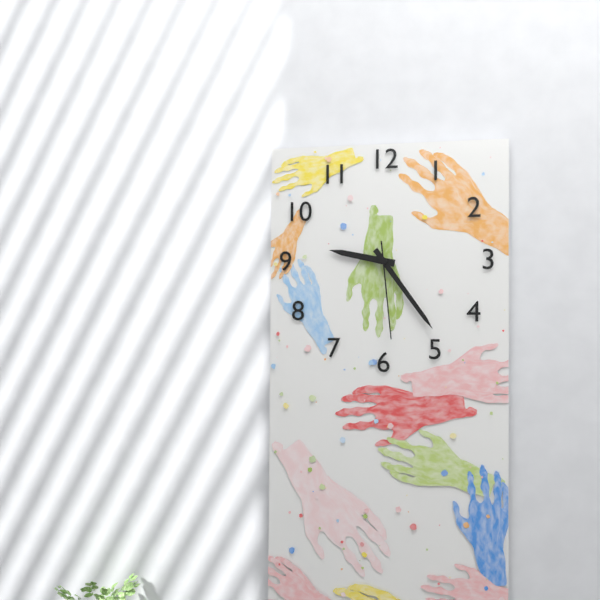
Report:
9,24,29
